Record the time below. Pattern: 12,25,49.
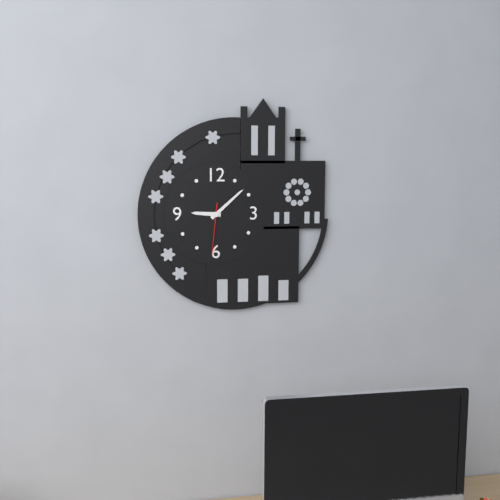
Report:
9,08,31
